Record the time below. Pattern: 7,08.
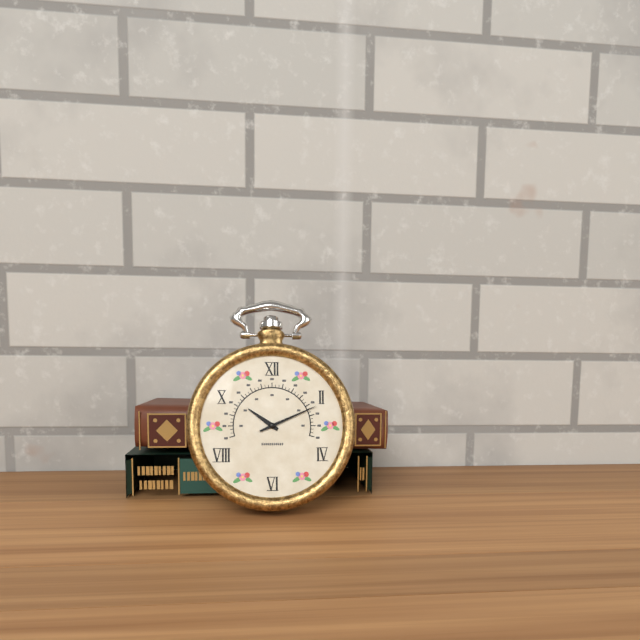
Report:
10,11
